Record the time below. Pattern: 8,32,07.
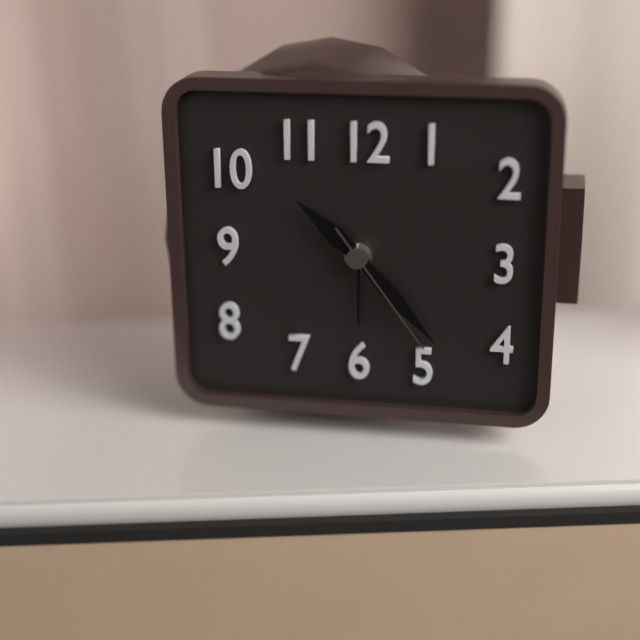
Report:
10,23,24
